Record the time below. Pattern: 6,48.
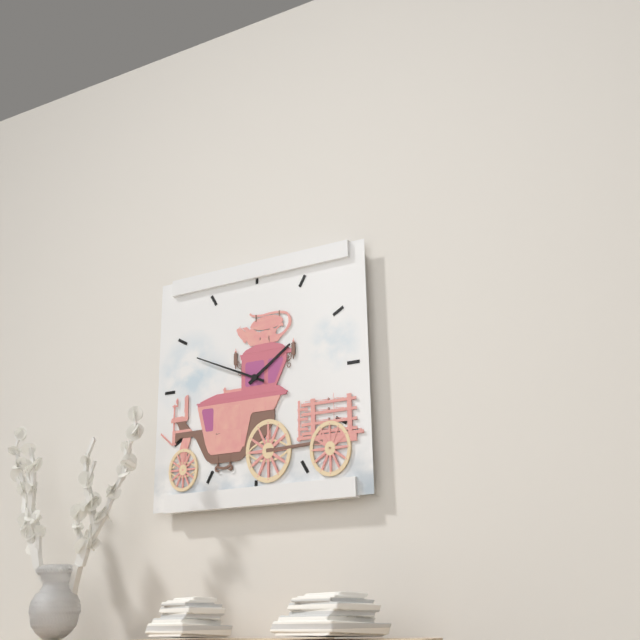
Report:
1,49
